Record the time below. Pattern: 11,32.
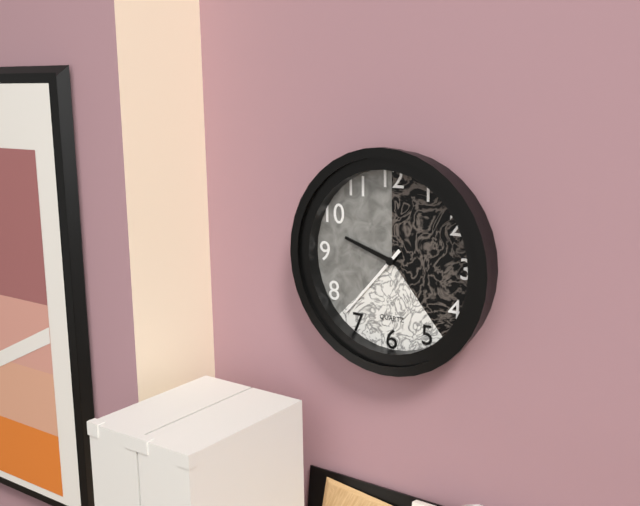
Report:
9,37
